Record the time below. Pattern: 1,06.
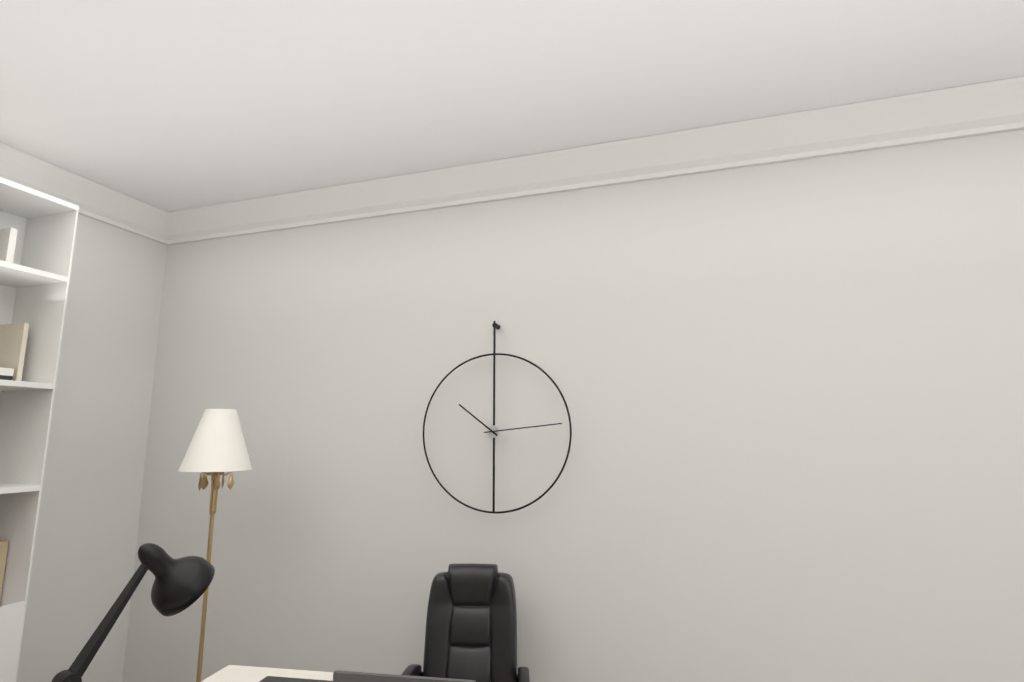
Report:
10,14
